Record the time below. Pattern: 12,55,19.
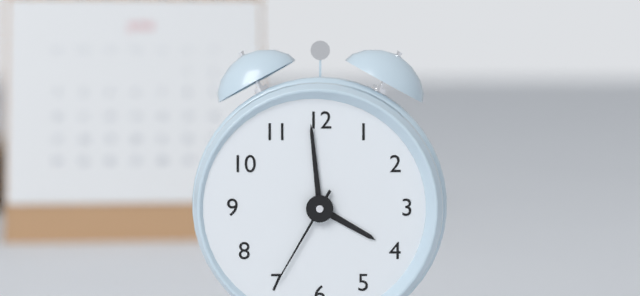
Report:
3,59,35
